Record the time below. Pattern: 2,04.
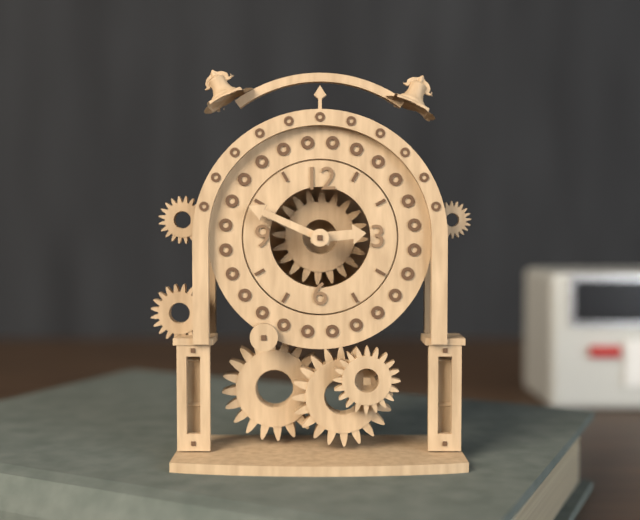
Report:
2,49
